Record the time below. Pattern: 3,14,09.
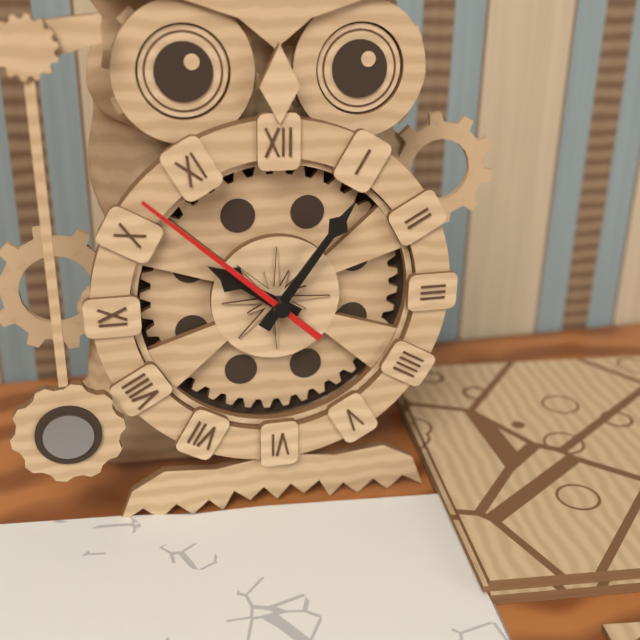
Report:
10,06,52
